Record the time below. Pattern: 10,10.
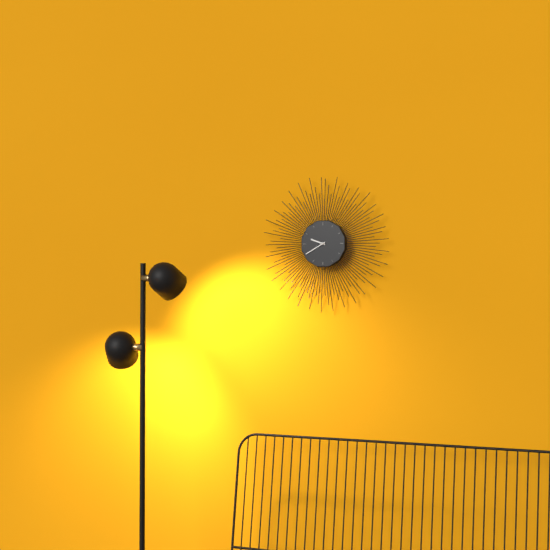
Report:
9,40
